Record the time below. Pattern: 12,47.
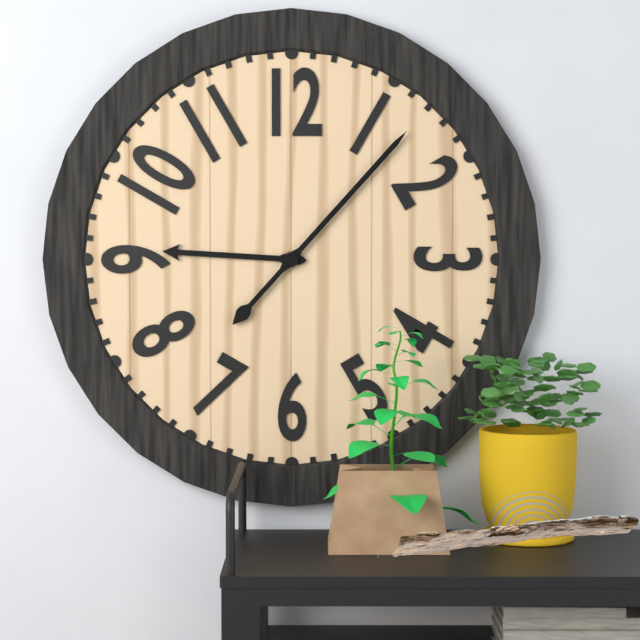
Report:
9,07
